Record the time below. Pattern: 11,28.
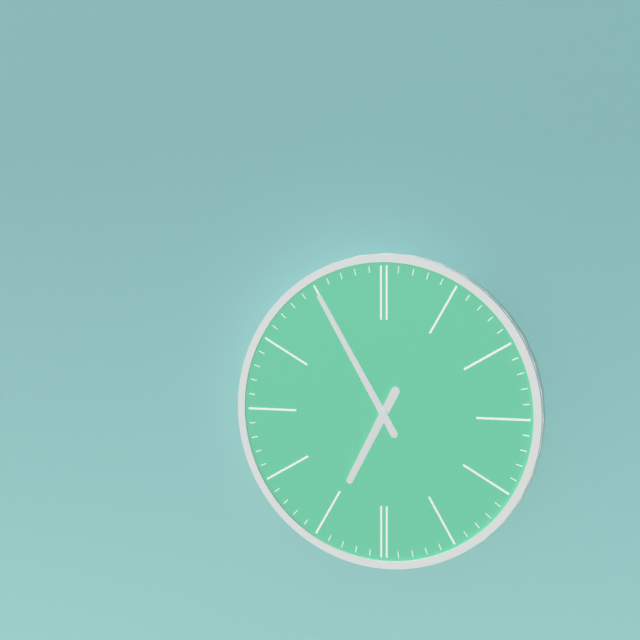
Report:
6,55
